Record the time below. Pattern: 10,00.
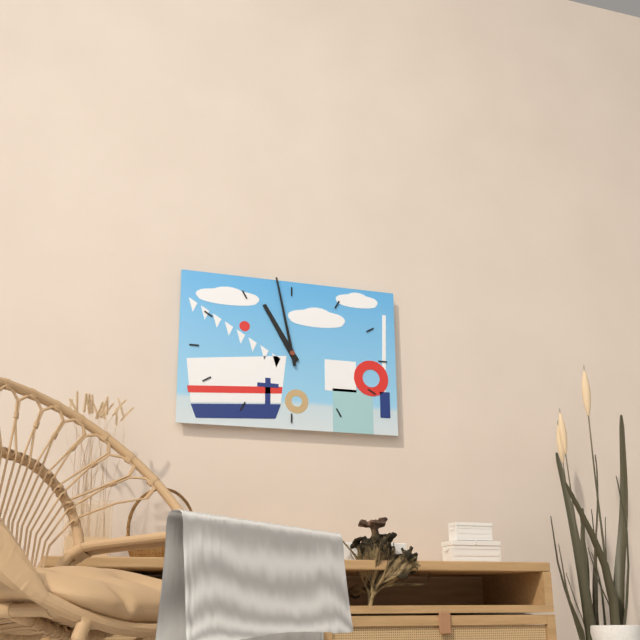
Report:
10,58
